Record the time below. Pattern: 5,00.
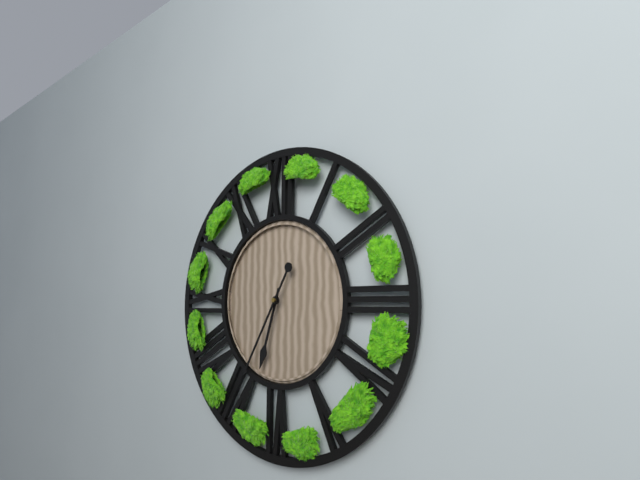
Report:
6,35
